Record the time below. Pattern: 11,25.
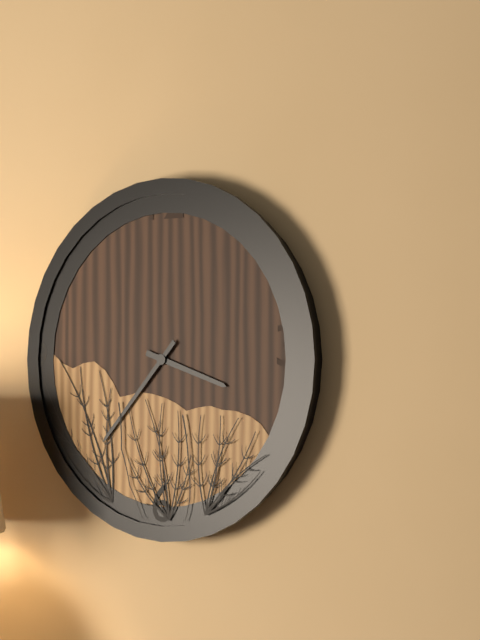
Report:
3,37
